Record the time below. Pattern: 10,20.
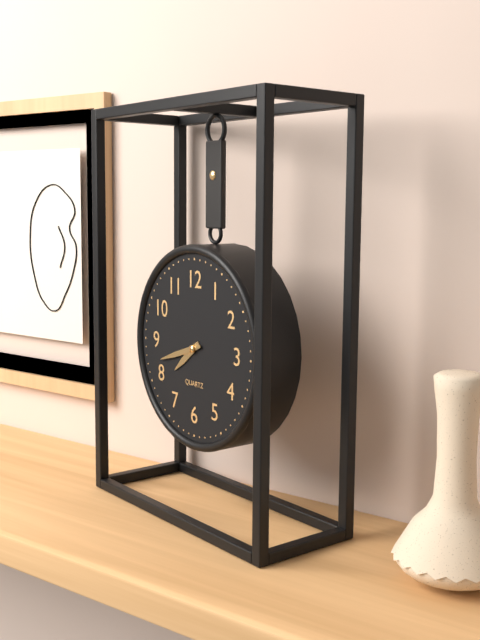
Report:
7,42
